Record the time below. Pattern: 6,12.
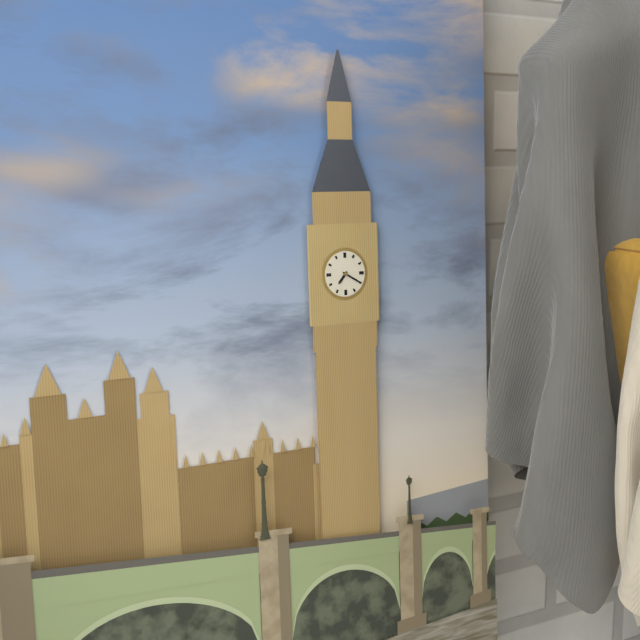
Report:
7,20
